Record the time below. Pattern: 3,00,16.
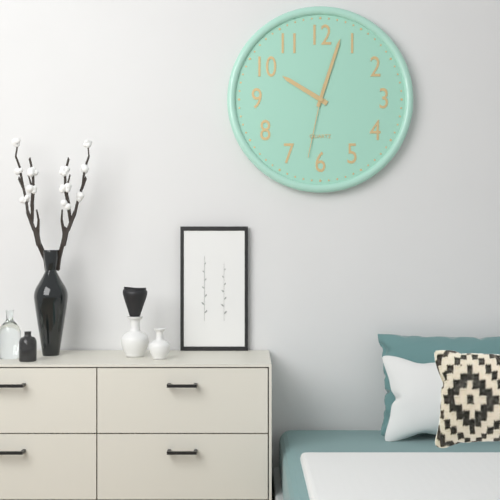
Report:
10,03,32
